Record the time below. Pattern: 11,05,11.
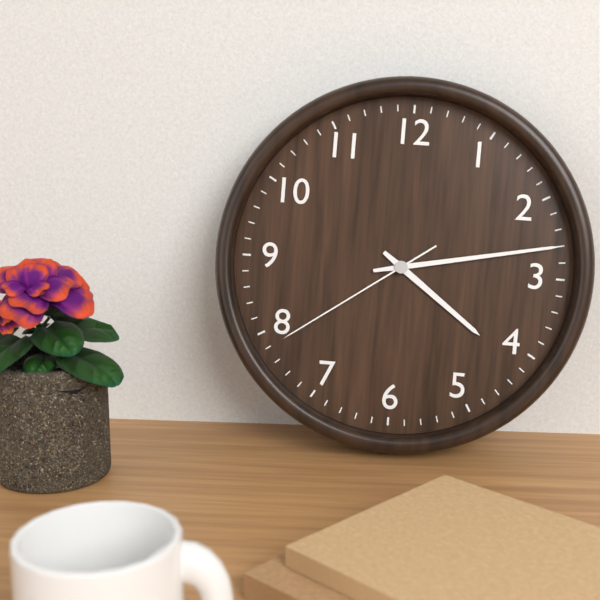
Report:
4,13,39
